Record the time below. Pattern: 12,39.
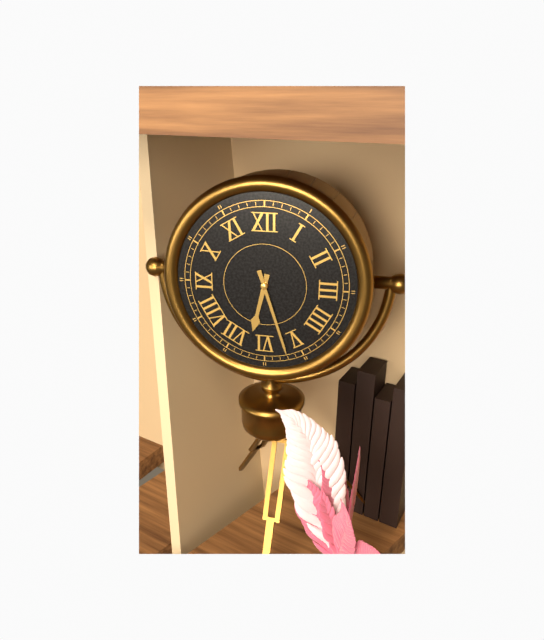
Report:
6,27
